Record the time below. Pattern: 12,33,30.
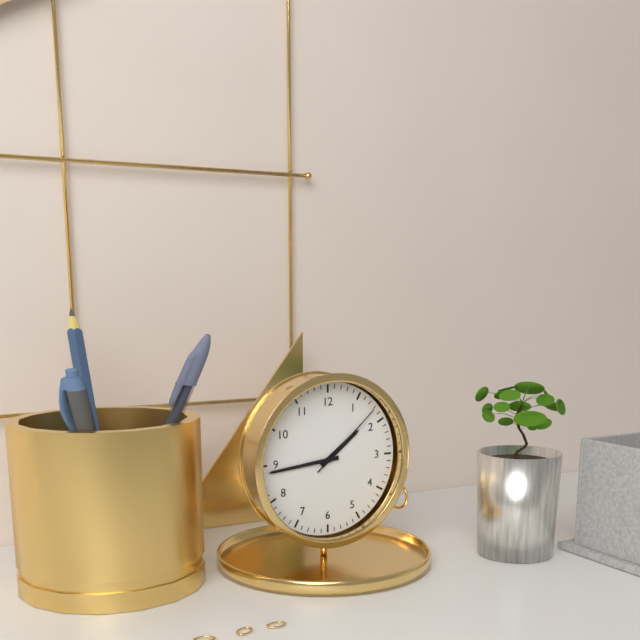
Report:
1,44,08
